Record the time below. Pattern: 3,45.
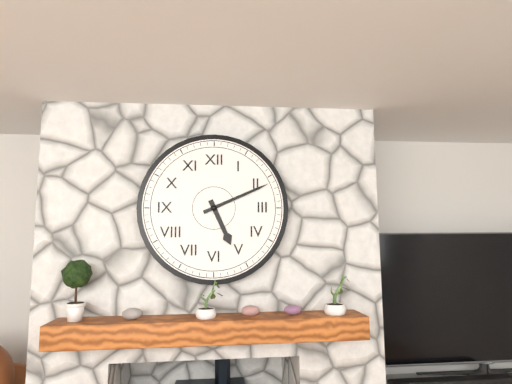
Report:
5,11
